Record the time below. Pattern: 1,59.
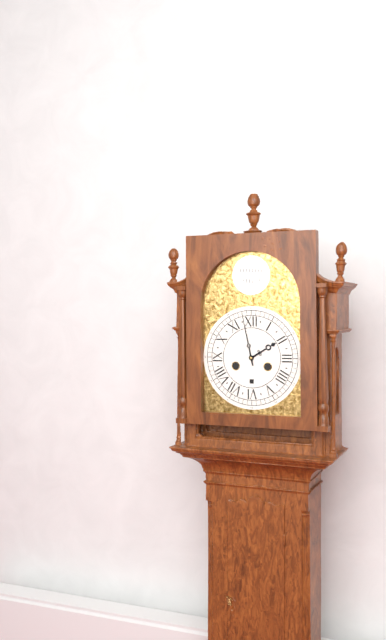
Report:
1,58
